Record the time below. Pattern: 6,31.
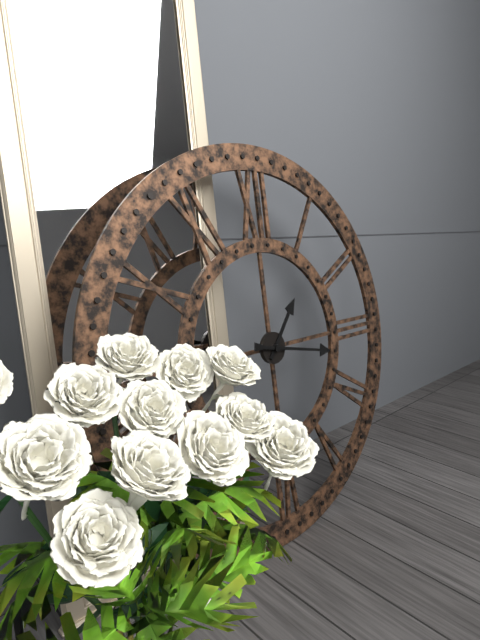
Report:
1,17
